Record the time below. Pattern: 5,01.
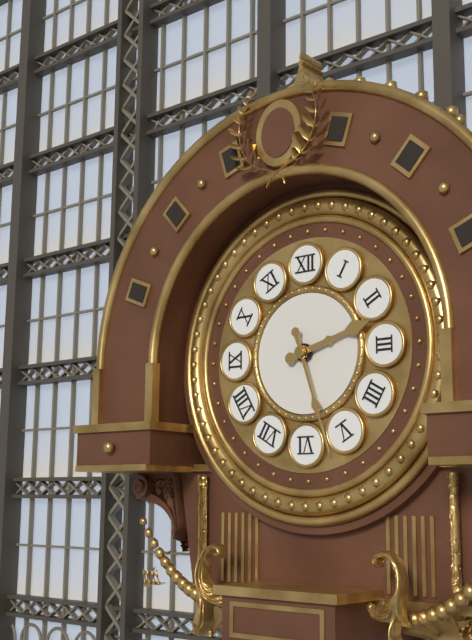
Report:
2,27
